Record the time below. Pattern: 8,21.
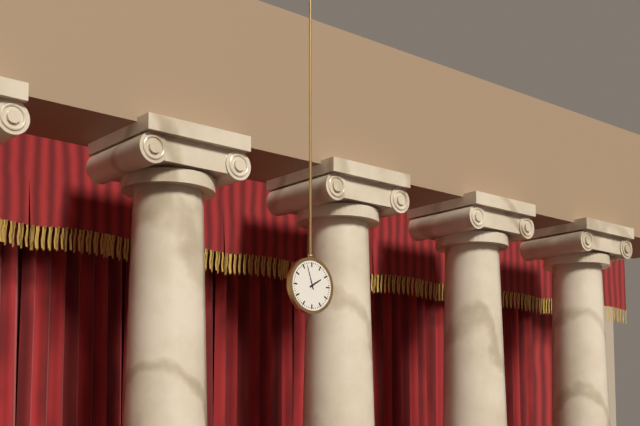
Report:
1,57
